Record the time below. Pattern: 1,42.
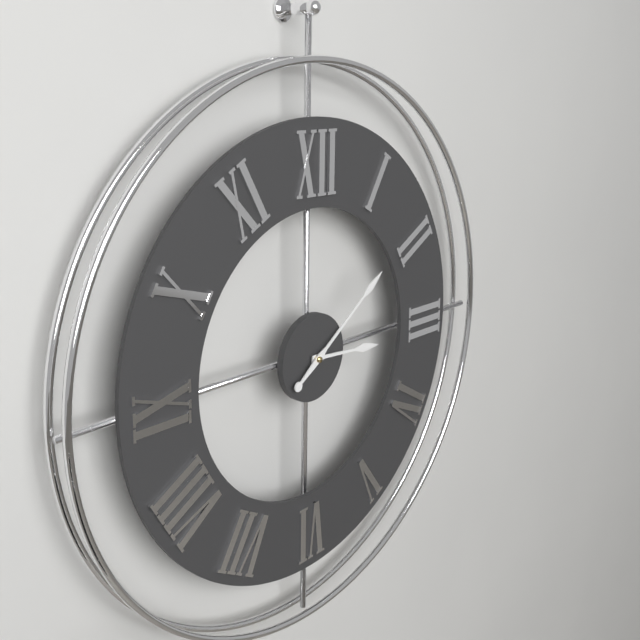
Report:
3,09
